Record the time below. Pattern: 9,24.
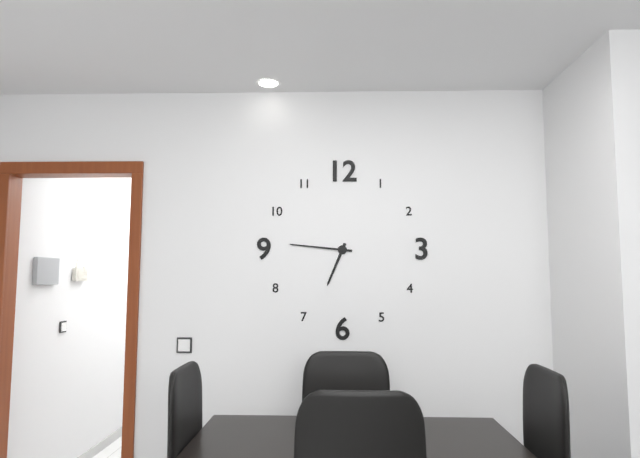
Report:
6,46
